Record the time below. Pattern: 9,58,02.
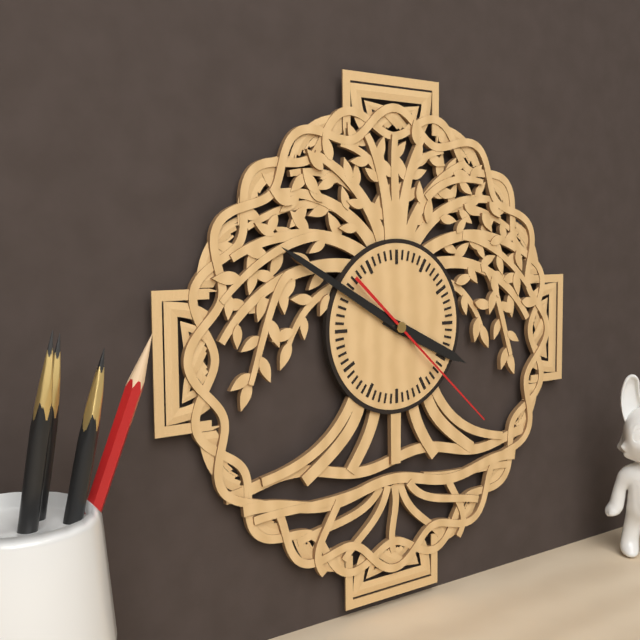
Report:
3,50,22
